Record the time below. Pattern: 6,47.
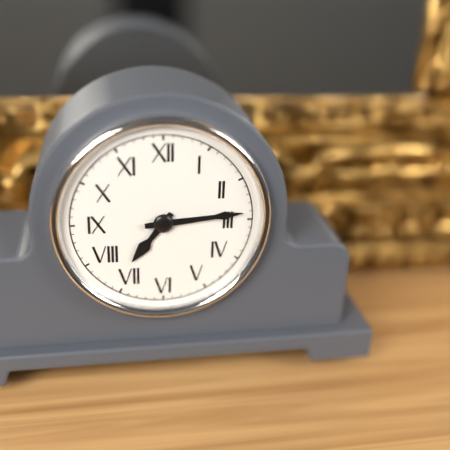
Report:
7,14
